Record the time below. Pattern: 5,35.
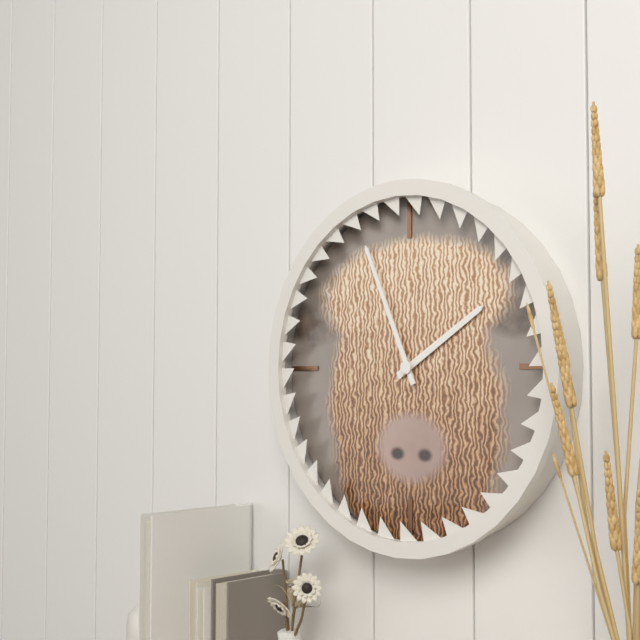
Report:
1,56
